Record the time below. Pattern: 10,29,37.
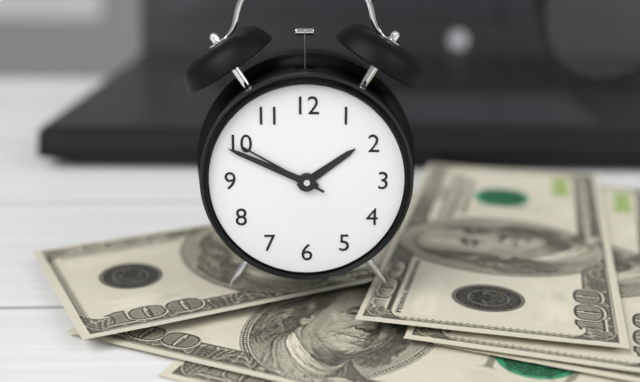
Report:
1,49,50
